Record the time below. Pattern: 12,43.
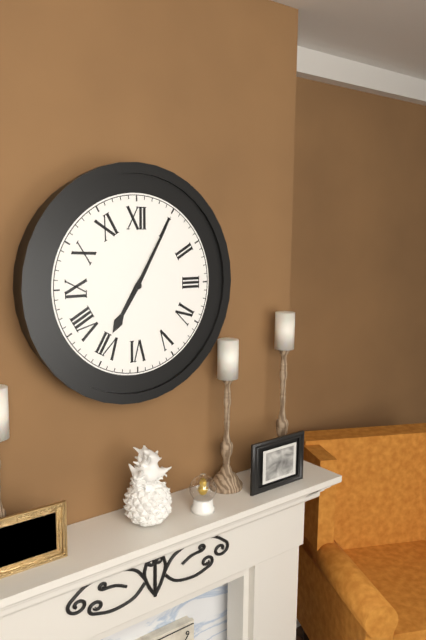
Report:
7,05
